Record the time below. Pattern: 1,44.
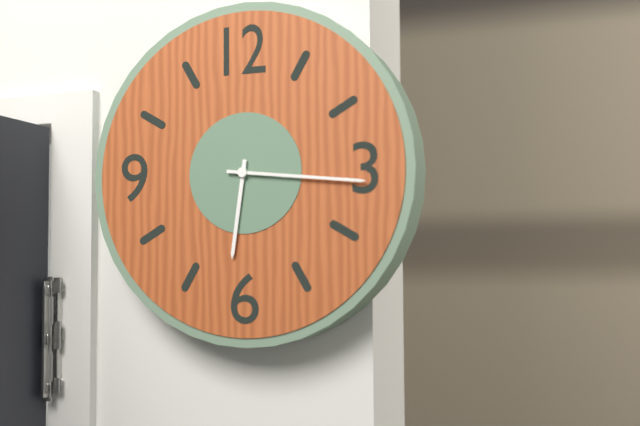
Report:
6,16
